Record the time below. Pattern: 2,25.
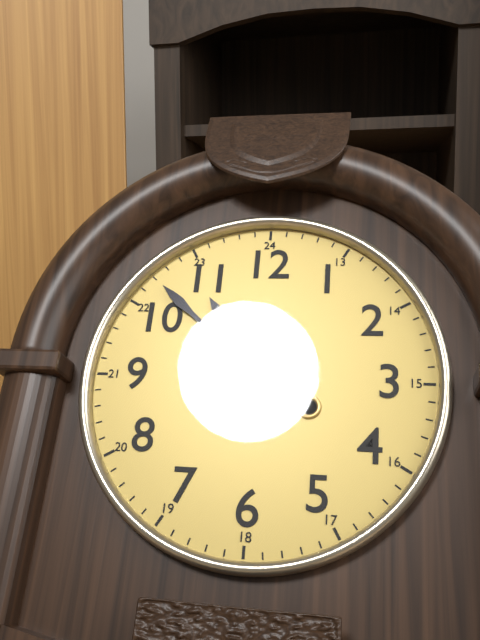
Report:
10,52
